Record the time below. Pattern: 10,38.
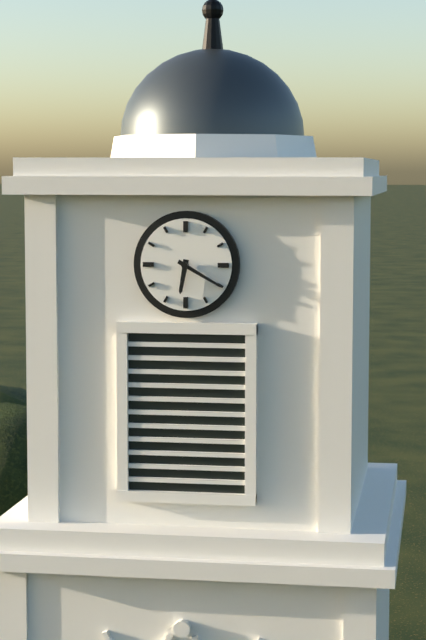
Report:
6,20
